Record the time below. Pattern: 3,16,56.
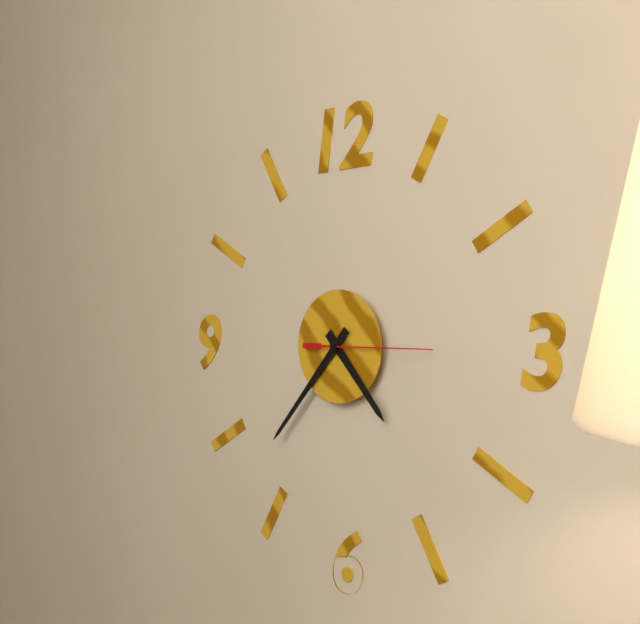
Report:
4,37,15
